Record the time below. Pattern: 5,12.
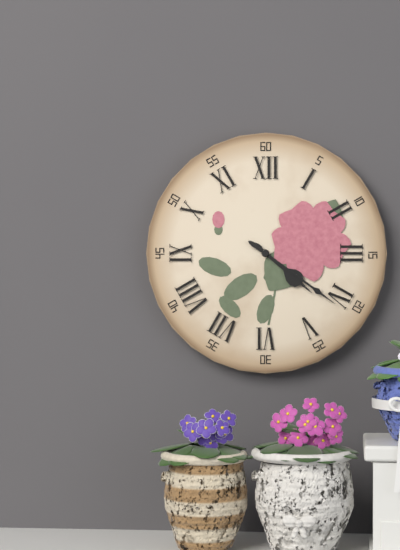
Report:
4,21
